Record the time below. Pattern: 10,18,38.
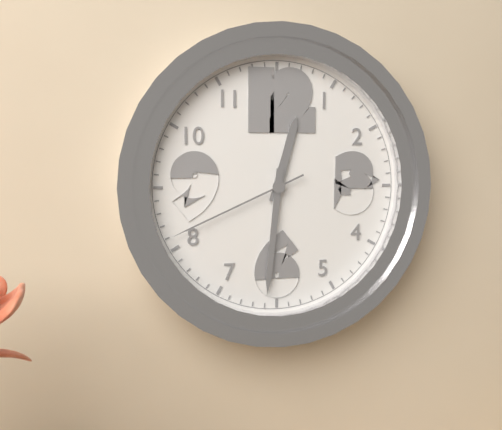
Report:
12,31,41
